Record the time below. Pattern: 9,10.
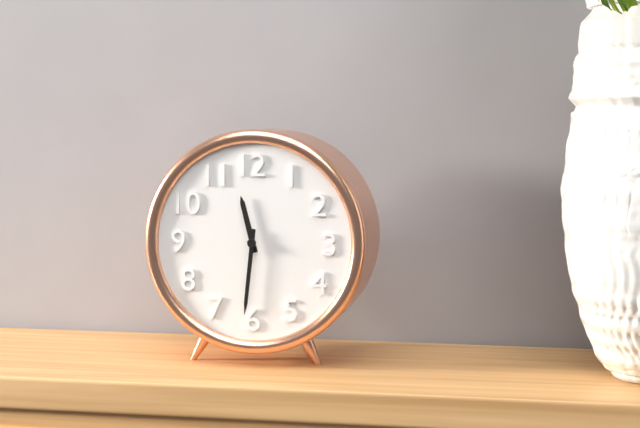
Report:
11,31
